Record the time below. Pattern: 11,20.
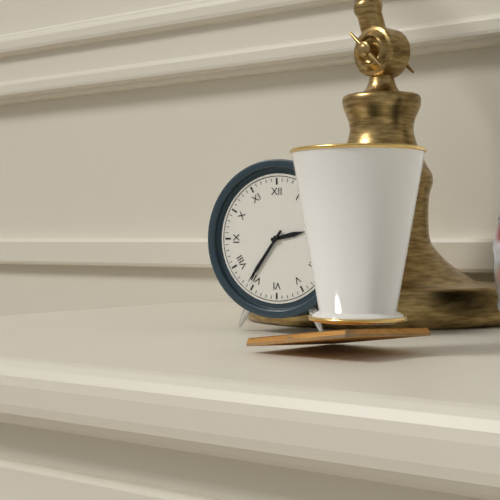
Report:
2,36
